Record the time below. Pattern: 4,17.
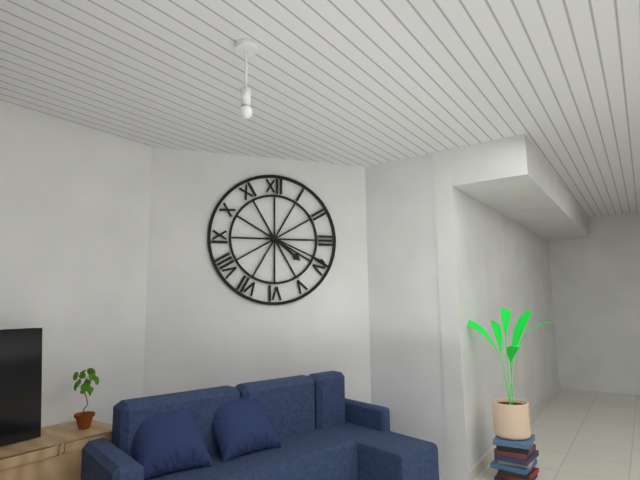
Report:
4,19
